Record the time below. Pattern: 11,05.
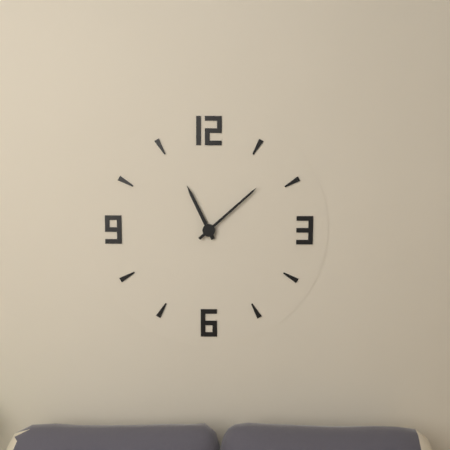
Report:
11,08
